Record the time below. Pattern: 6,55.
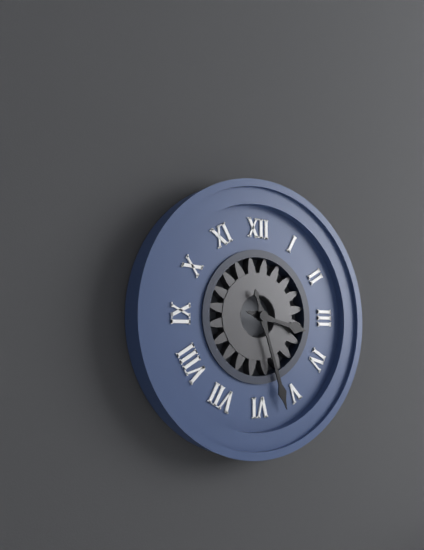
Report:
3,27
